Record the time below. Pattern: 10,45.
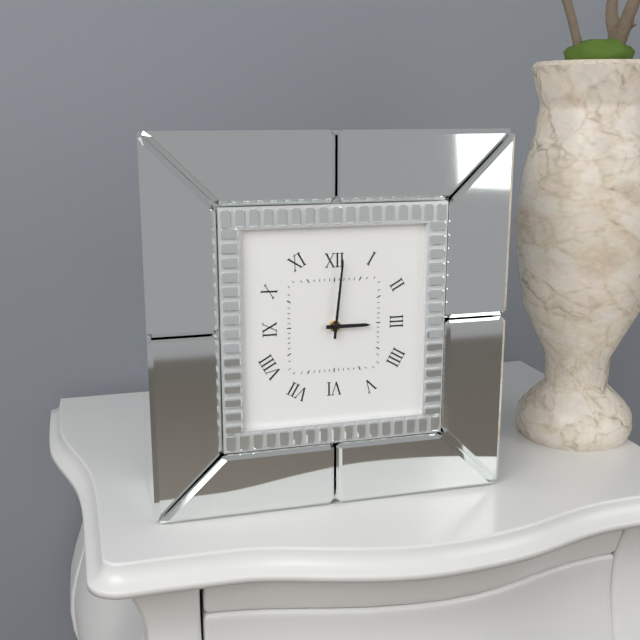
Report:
3,01
